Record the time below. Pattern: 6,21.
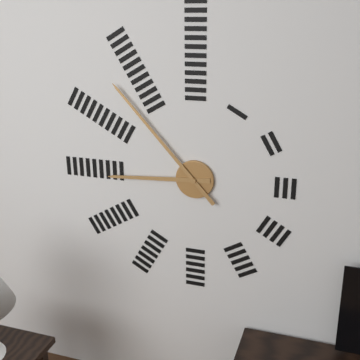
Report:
8,53
